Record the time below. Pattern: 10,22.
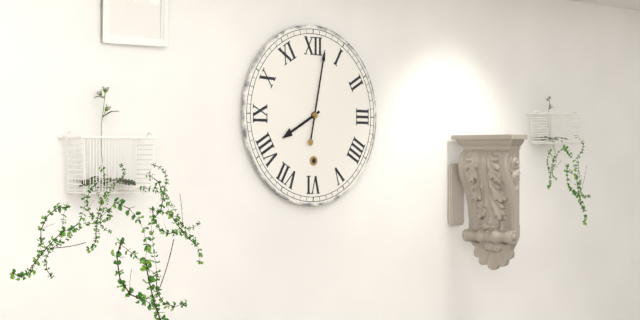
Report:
8,02
